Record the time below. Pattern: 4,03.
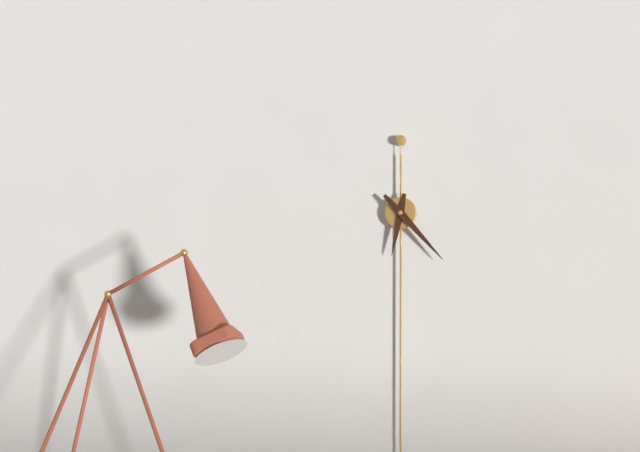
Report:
6,23
